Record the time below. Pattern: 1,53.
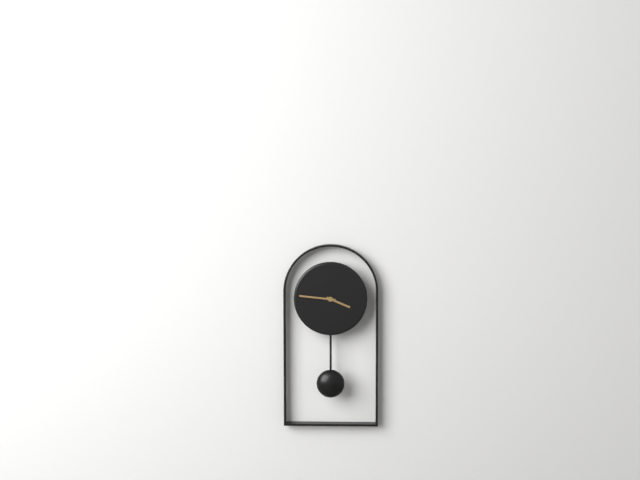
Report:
3,46
